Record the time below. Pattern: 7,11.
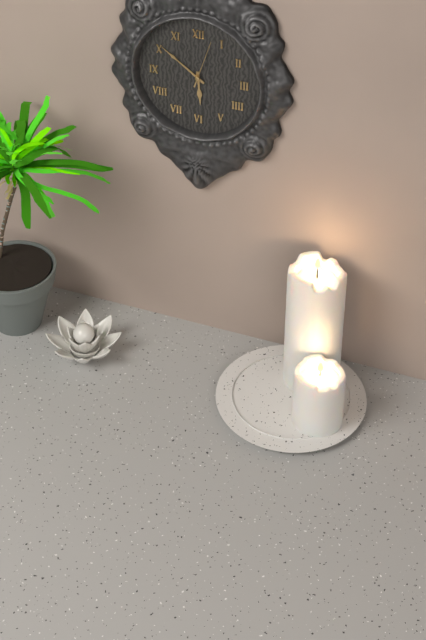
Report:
5,51
